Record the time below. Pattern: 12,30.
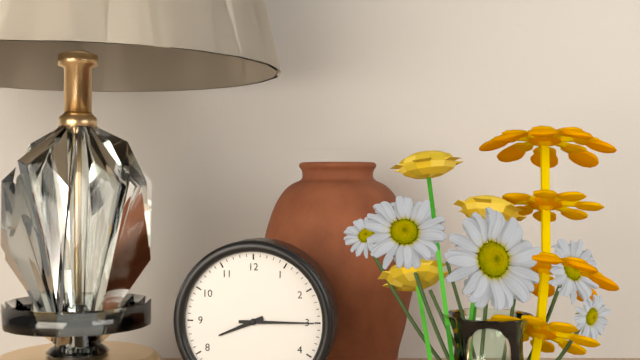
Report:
8,15
